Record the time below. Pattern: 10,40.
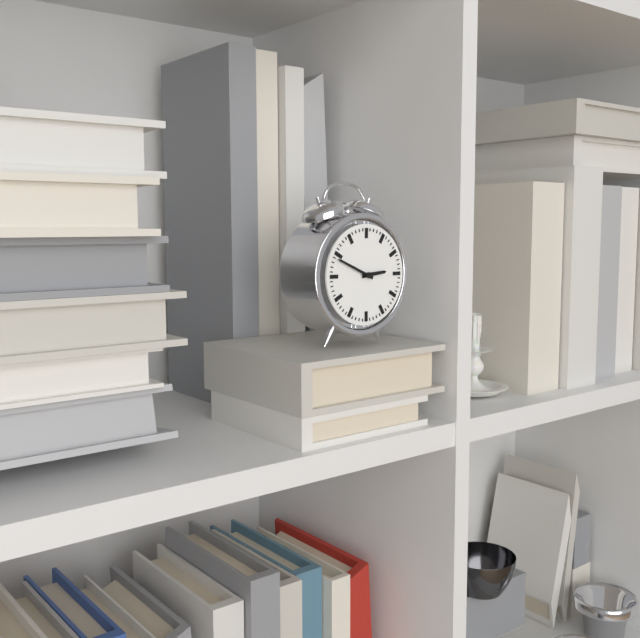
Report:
2,49
